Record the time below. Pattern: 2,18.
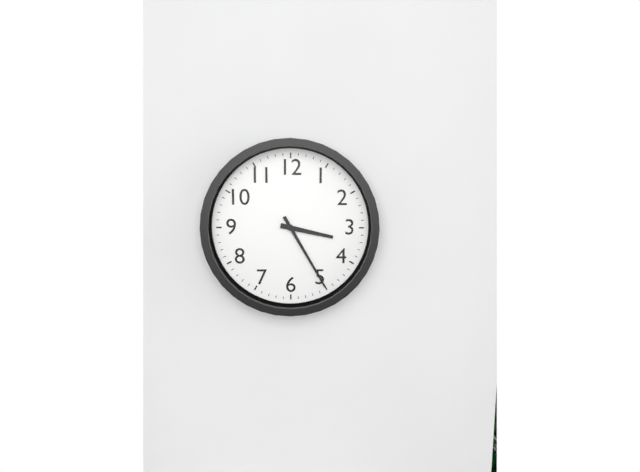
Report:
3,25
